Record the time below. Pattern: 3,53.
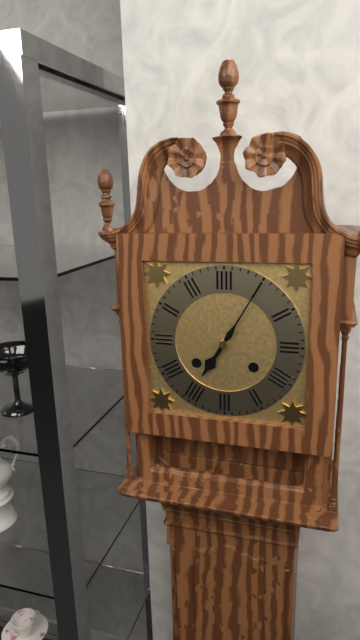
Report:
7,05
